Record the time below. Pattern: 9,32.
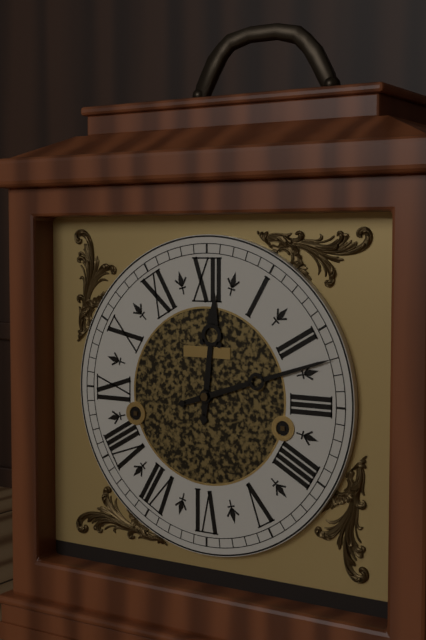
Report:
12,12
